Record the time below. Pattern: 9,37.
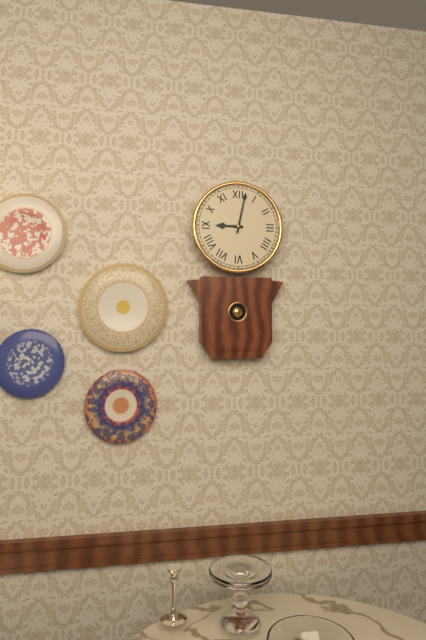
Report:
9,02
